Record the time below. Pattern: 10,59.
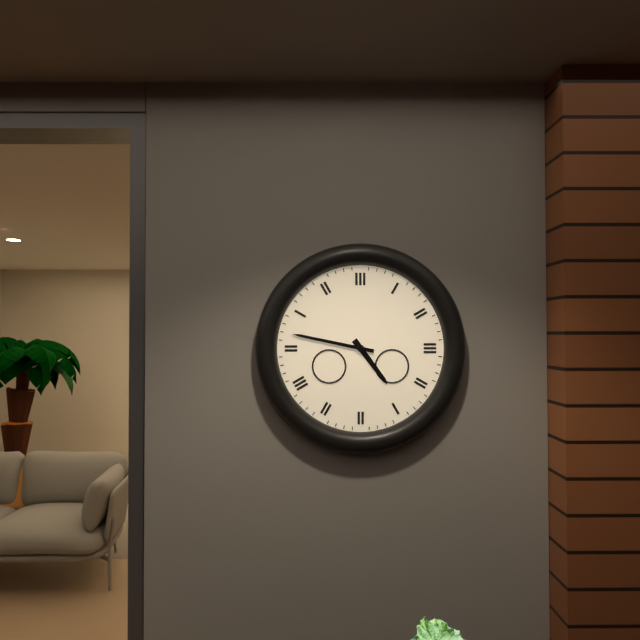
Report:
4,47
